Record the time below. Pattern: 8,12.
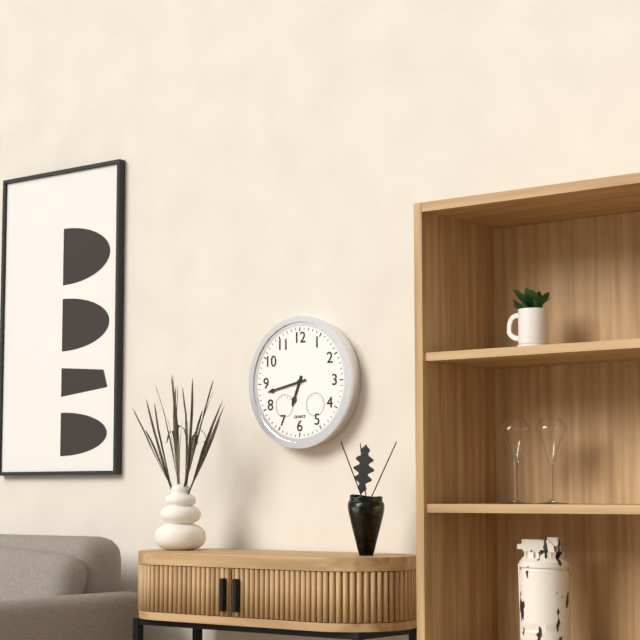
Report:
6,43
